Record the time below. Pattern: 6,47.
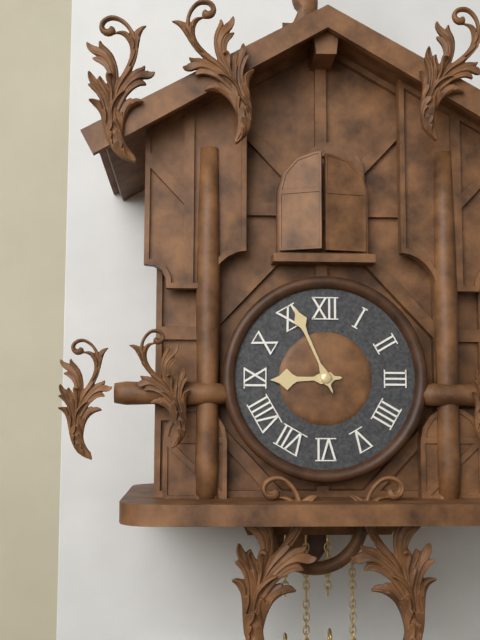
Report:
8,56
